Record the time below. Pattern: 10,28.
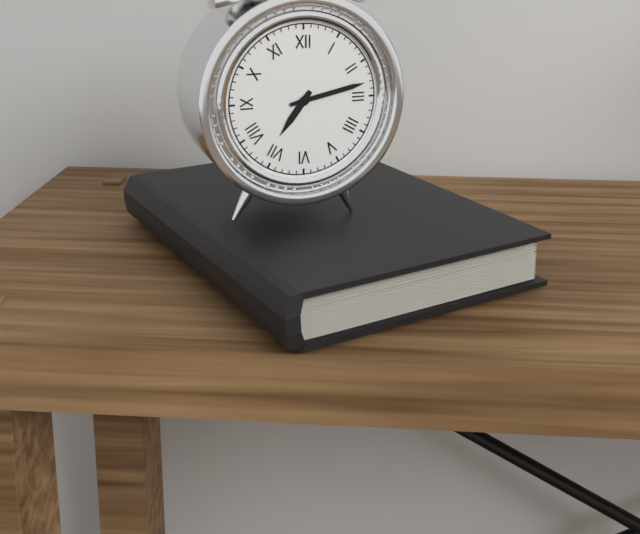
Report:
7,13
